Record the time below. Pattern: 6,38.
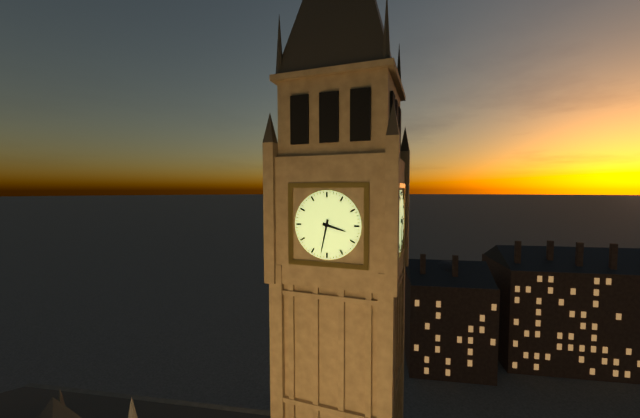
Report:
3,32
